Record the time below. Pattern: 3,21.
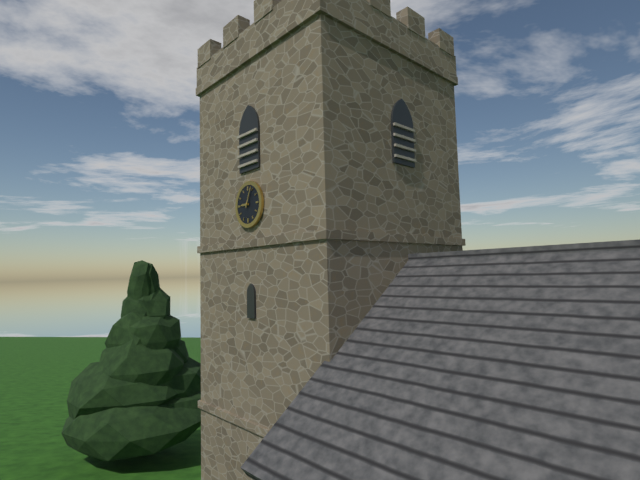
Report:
9,04
